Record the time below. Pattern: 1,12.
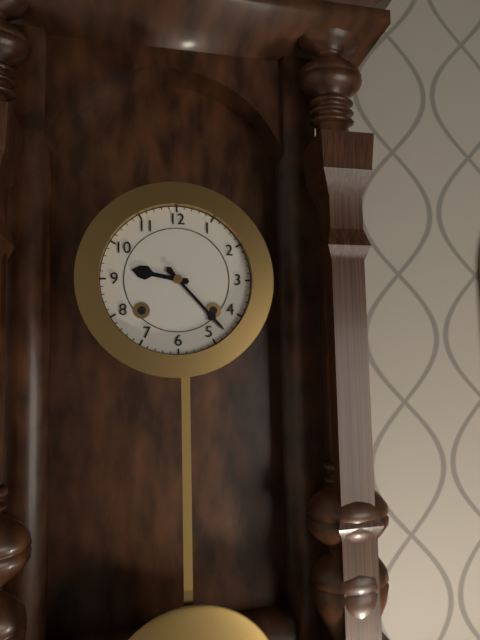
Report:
9,23
